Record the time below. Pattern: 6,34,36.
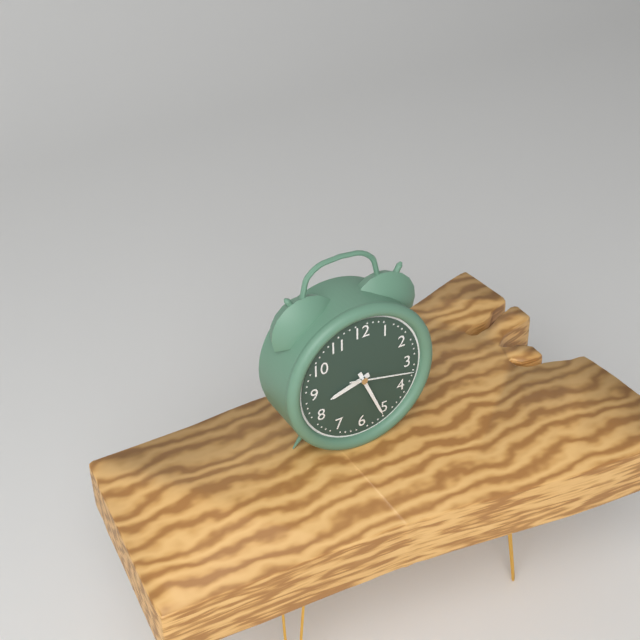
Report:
8,26,17
